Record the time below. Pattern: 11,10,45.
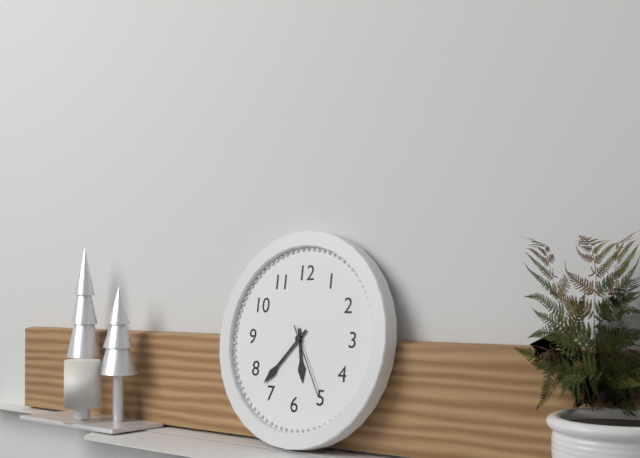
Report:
5,37,25
